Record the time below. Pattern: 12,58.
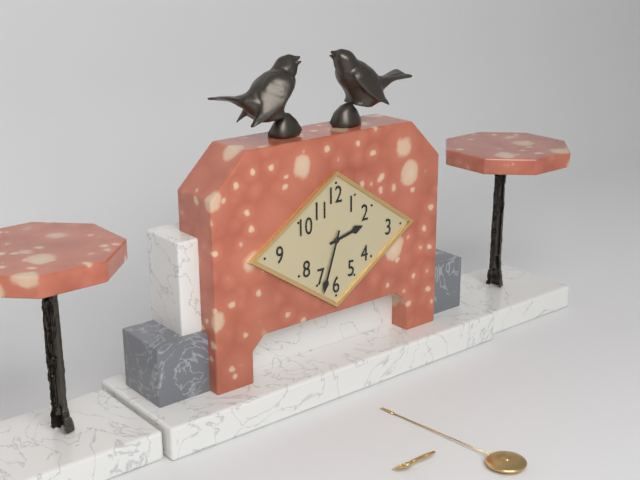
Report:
2,33
